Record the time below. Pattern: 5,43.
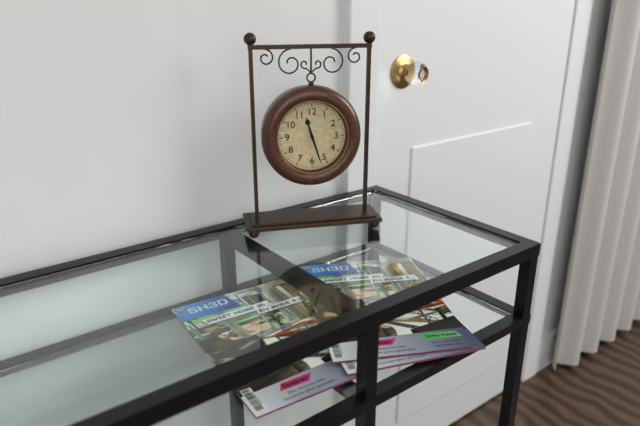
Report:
11,27
